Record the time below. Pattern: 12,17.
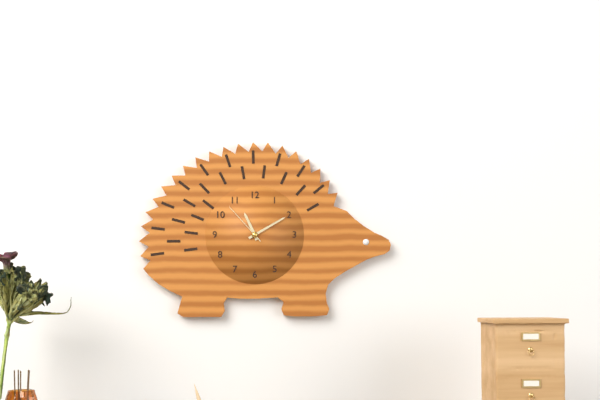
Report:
11,10
